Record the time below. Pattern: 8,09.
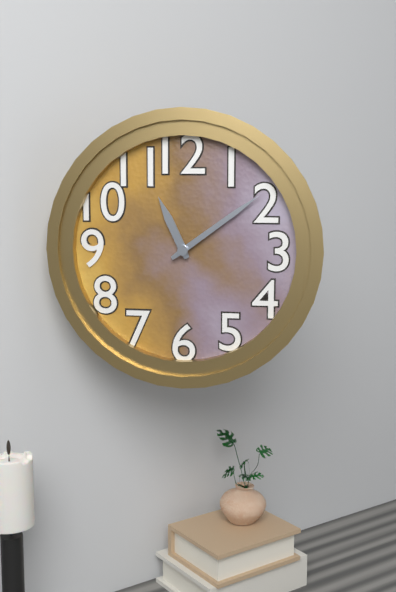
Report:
11,09
